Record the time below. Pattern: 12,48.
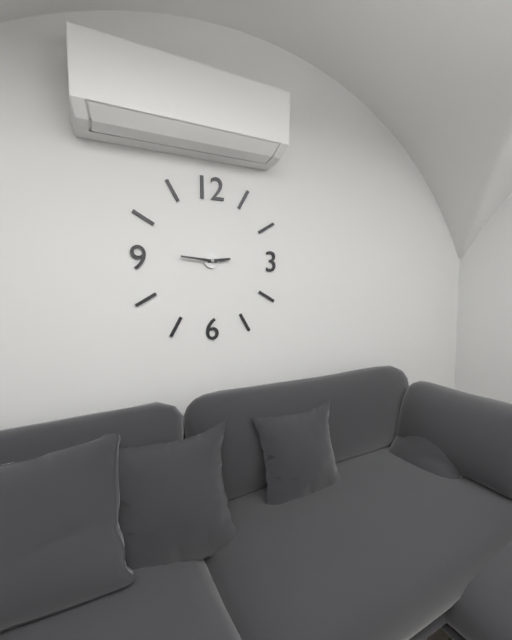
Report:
2,46
